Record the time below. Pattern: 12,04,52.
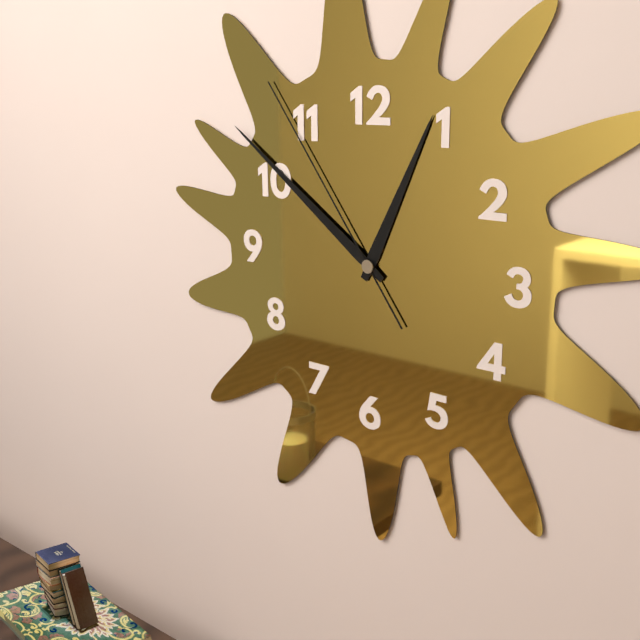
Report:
12,51,54
